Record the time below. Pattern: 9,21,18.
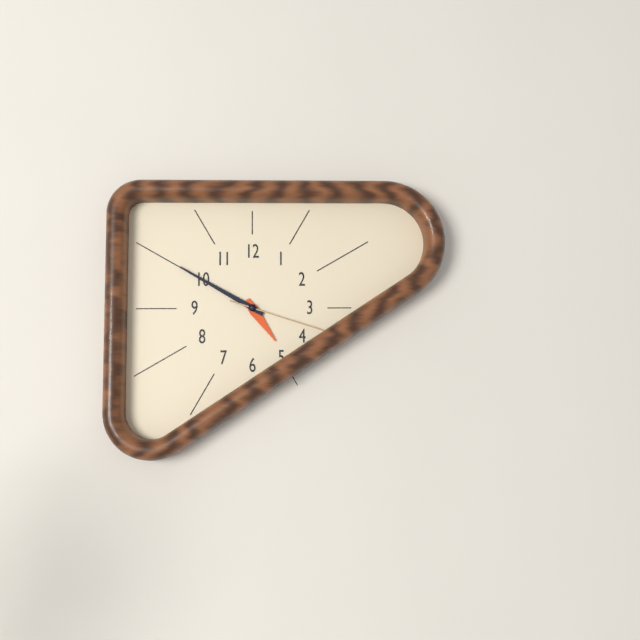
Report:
4,50,18
